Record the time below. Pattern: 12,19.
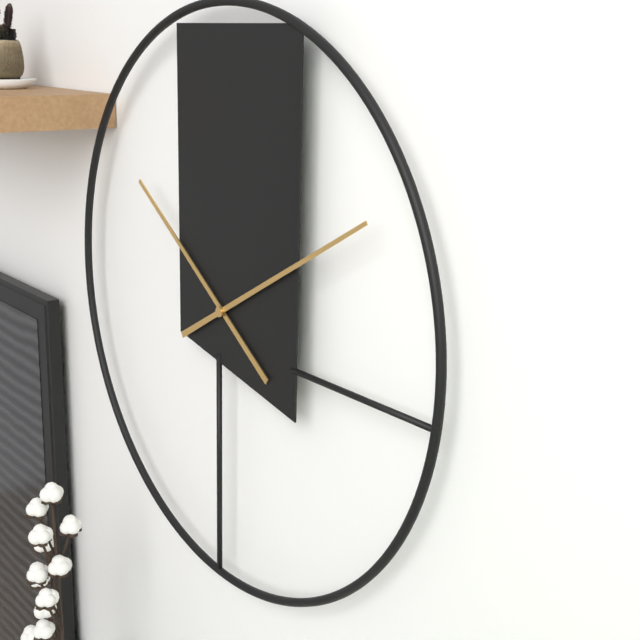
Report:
10,10
